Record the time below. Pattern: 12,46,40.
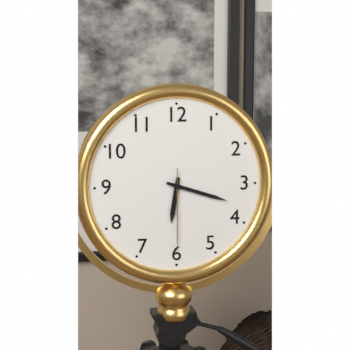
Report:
6,18,30
